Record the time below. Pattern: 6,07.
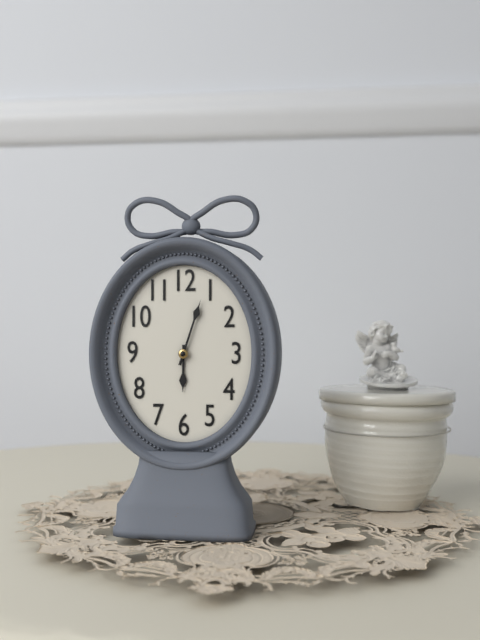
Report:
6,03
